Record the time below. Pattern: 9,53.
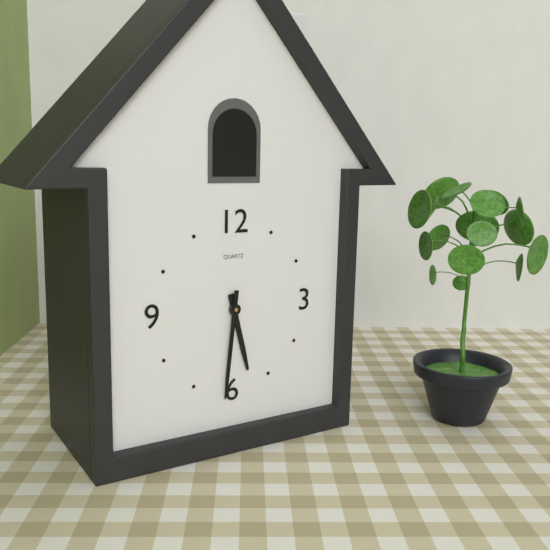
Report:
5,31
